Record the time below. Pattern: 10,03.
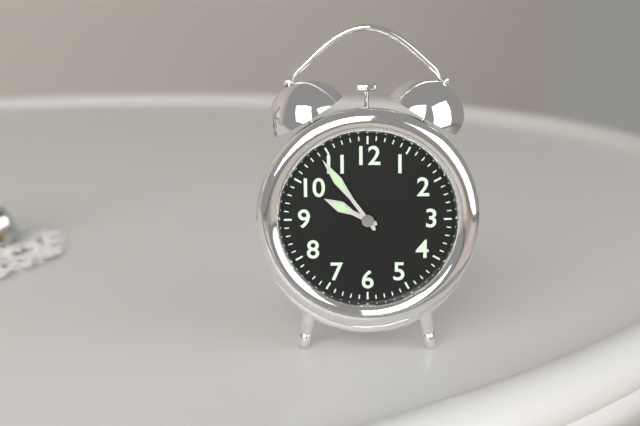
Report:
9,54
